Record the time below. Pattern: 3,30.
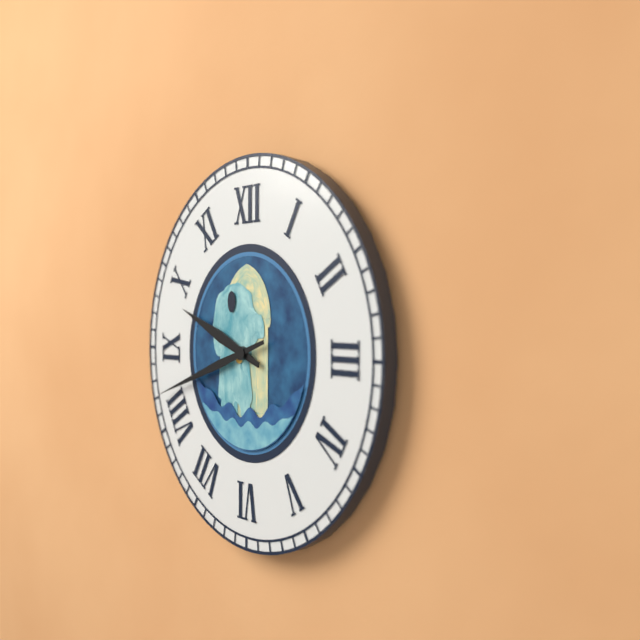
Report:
9,42
